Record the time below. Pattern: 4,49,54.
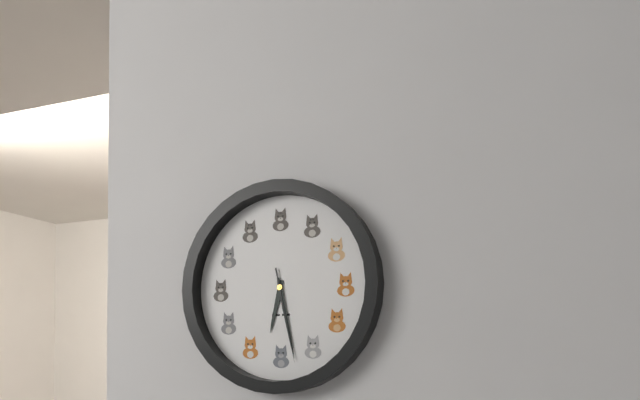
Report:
6,28,28
